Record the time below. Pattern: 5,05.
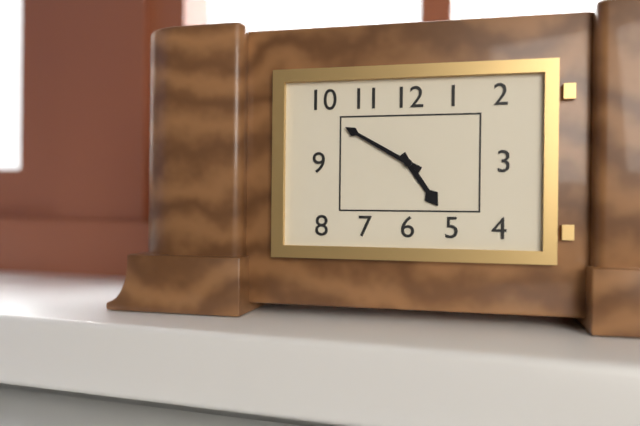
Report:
4,50
